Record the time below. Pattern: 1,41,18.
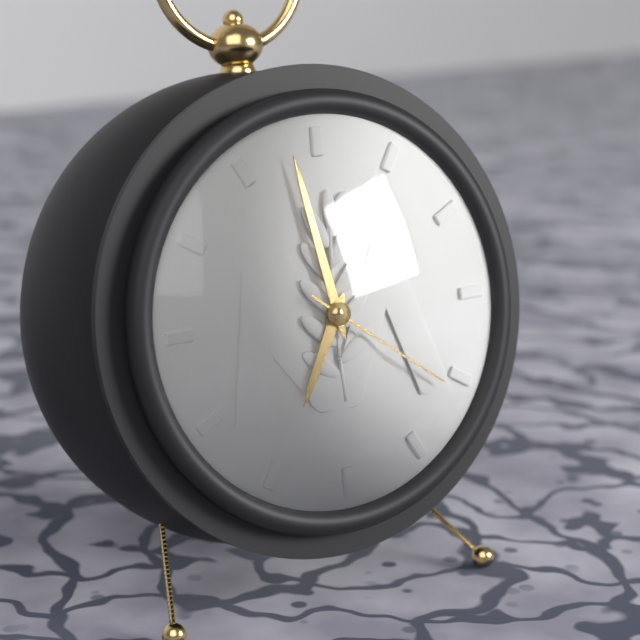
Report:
6,58,21
